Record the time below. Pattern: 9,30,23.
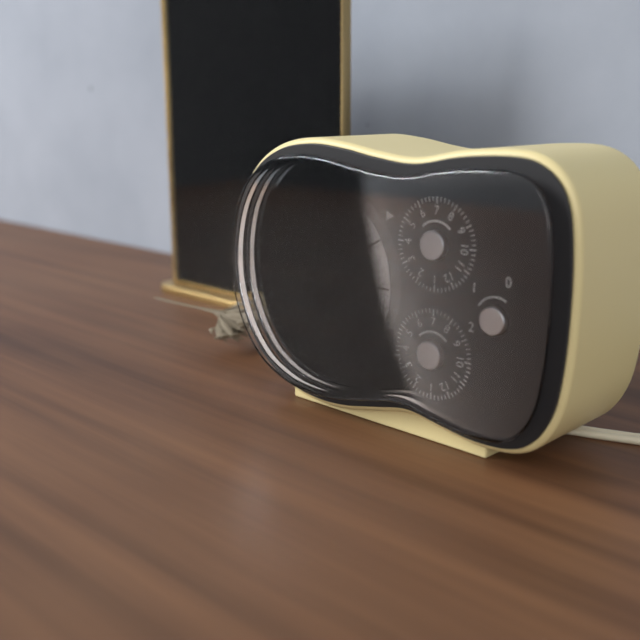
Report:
10,29,55
